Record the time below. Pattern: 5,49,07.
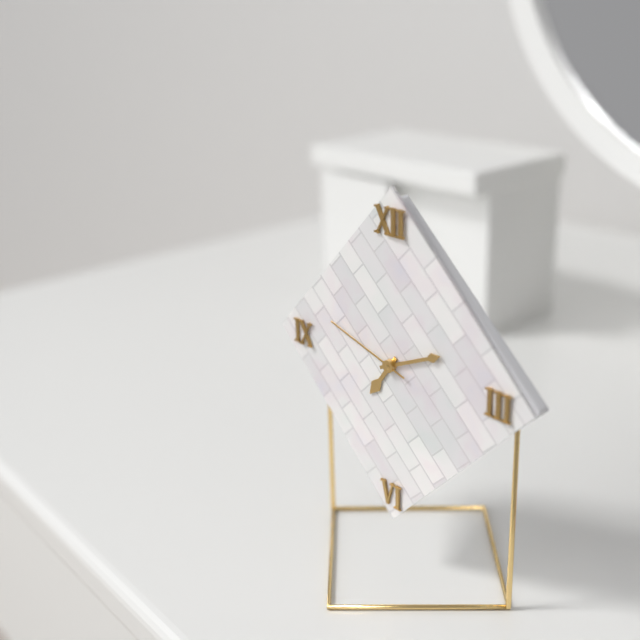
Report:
7,11,48
